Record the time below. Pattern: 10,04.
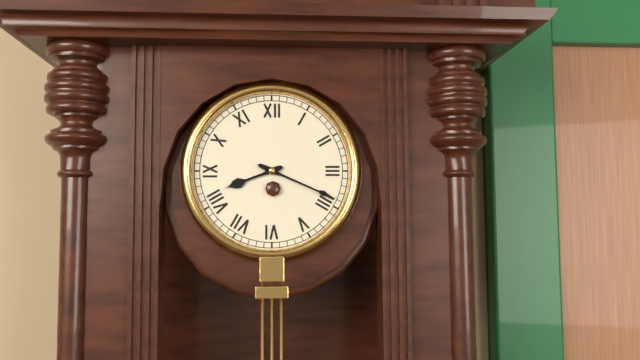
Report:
8,19
